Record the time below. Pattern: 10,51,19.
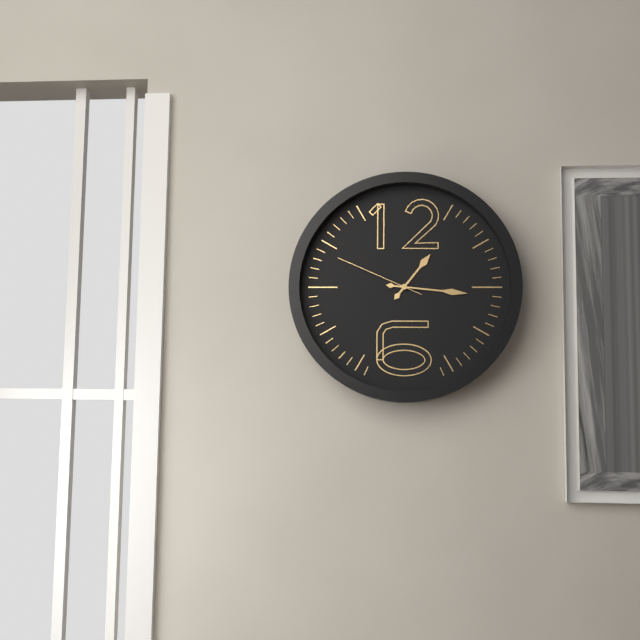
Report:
1,16,49
